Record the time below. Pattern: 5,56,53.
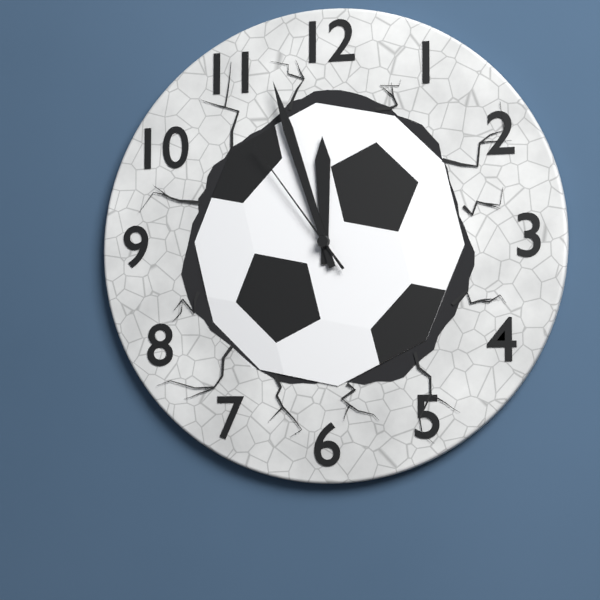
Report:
11,57,54
